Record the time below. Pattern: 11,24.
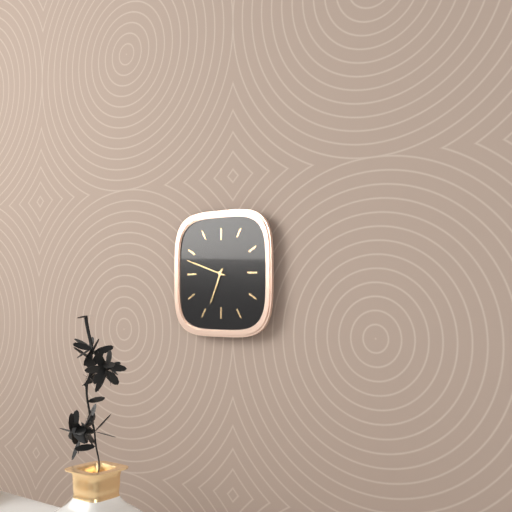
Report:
6,48
